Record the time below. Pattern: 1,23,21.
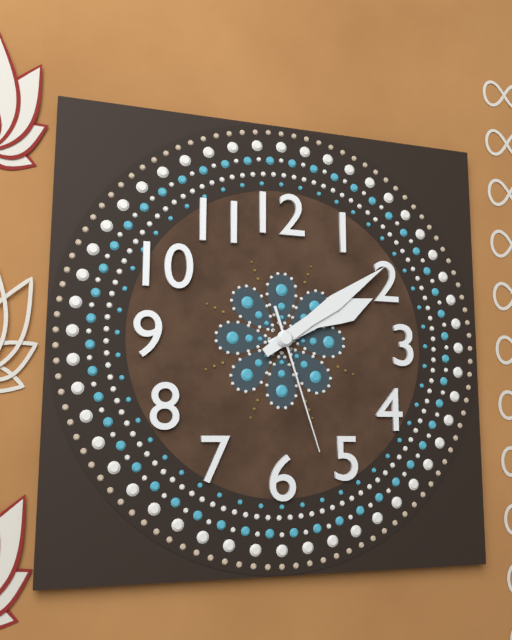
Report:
2,09,27
